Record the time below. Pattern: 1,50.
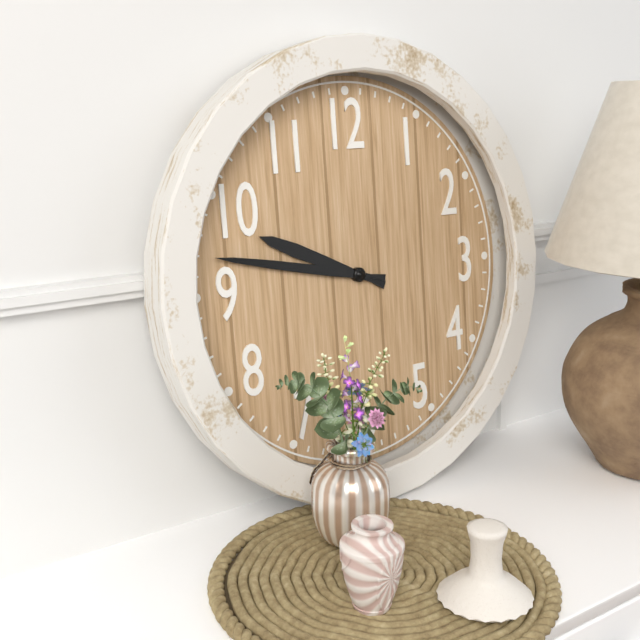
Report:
9,47
